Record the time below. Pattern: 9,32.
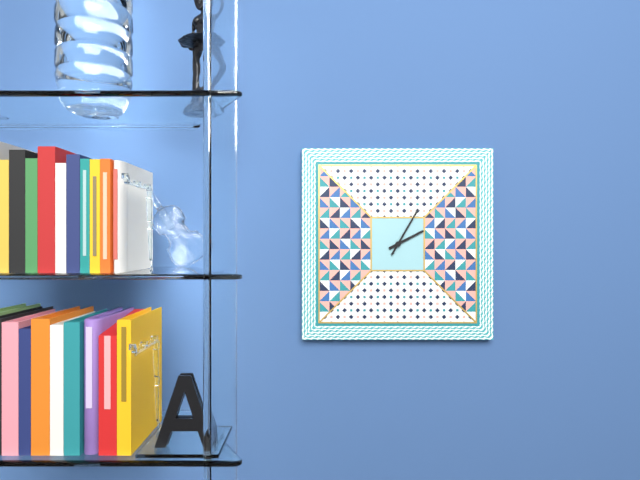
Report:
2,05
